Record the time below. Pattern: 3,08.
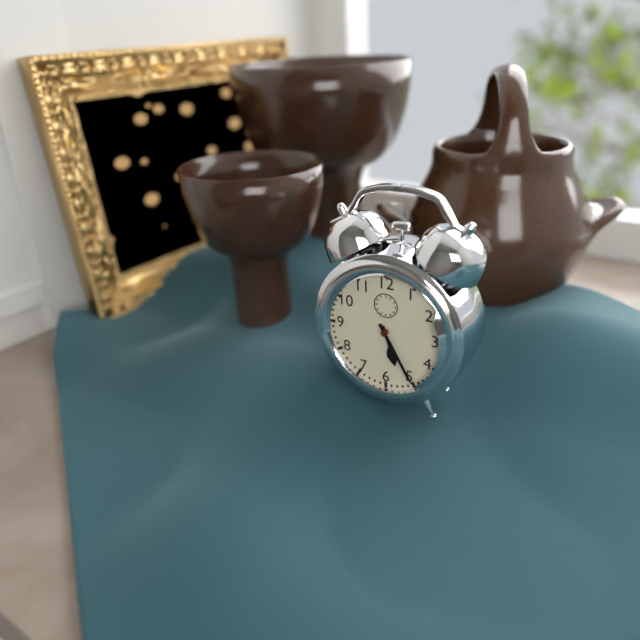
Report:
5,25
